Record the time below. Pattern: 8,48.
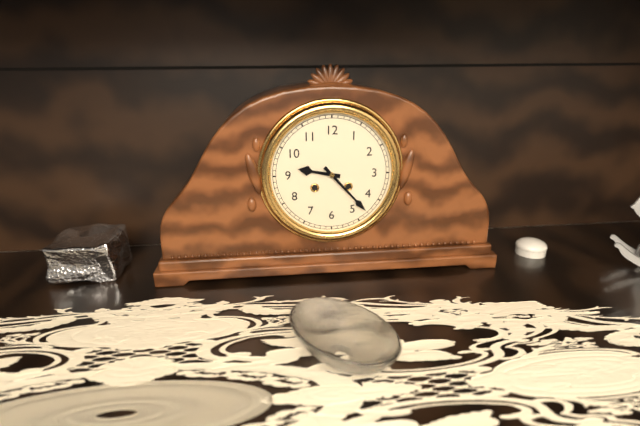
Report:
9,23
